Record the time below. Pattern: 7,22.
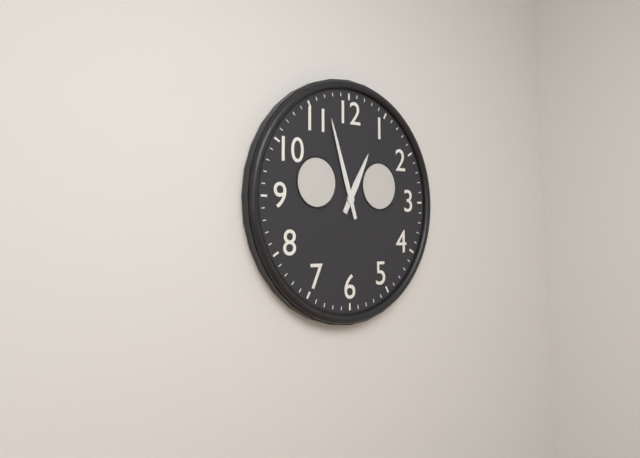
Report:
12,57
